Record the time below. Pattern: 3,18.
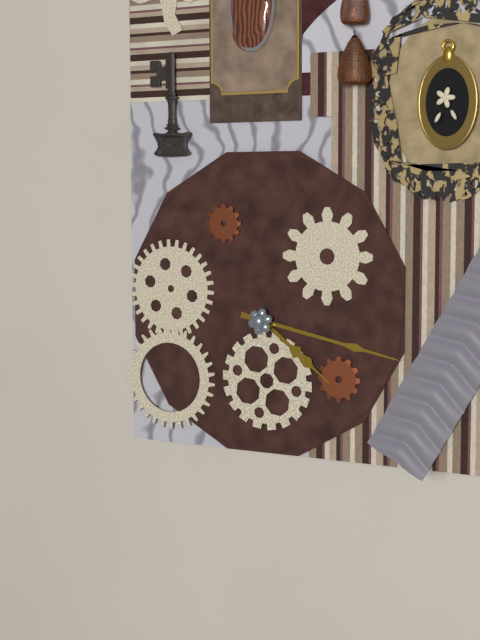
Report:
4,17
